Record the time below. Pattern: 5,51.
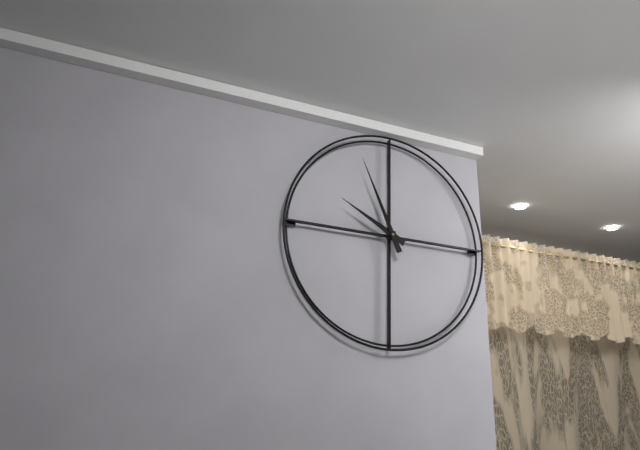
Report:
9,56
